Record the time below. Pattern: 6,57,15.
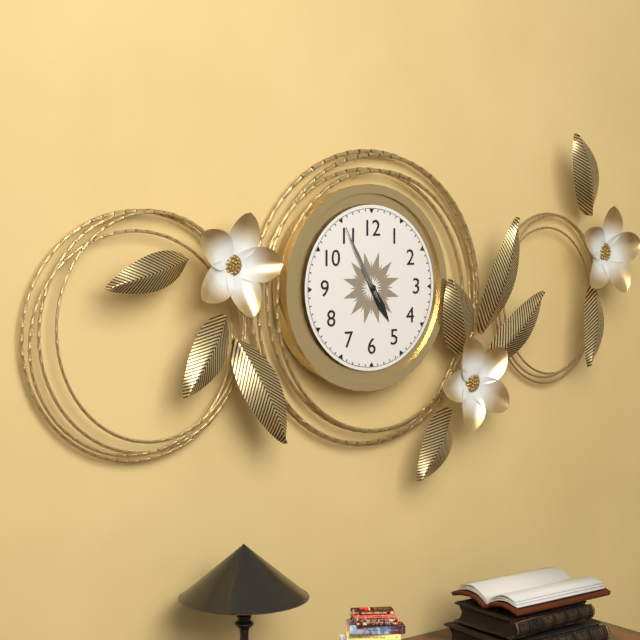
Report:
4,55,55
